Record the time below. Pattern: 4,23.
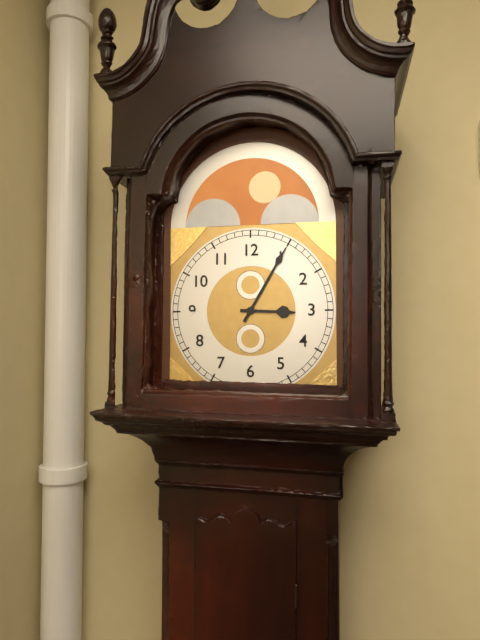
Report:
3,05
